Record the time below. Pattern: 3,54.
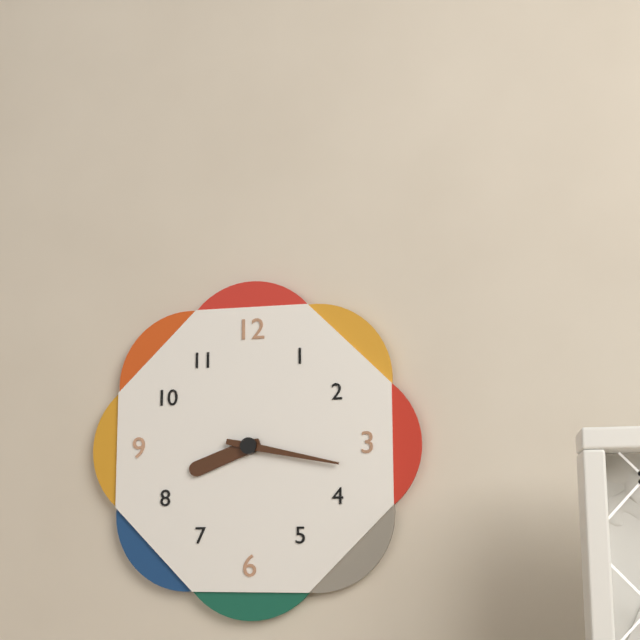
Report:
8,17
